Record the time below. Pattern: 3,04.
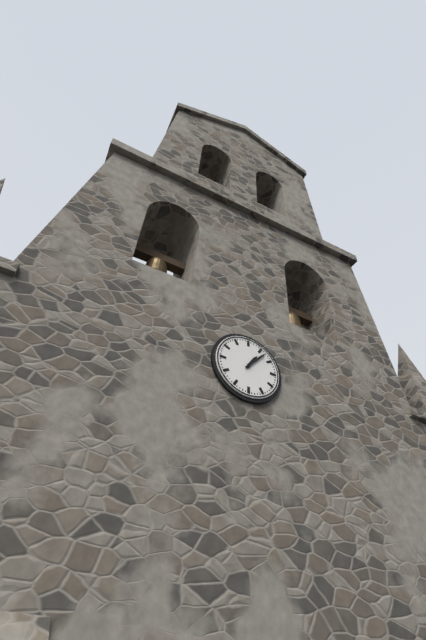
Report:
1,07
